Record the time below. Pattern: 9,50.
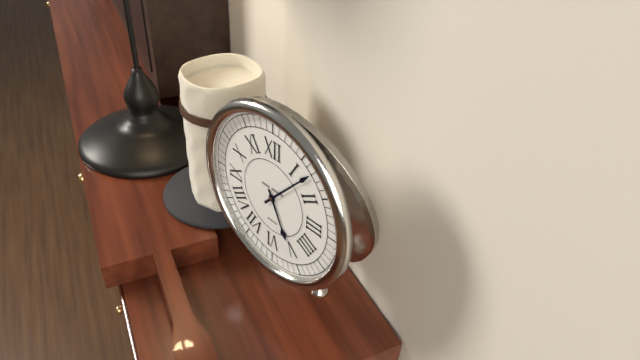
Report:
5,07
